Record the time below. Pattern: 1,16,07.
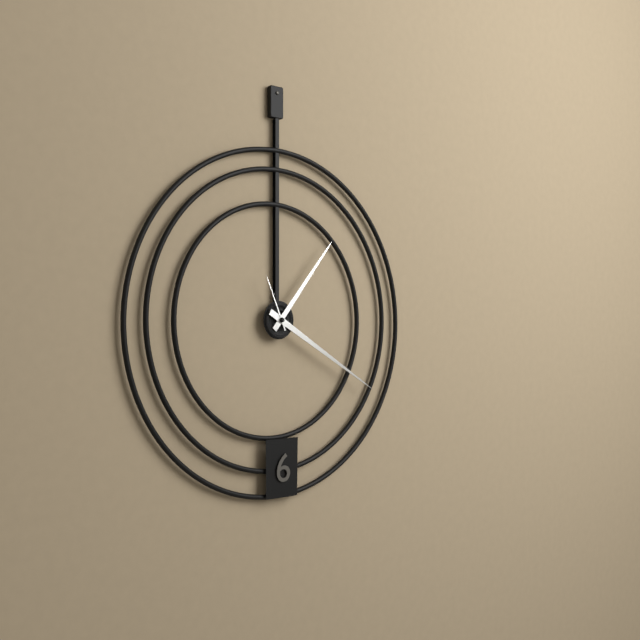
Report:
1,20,56
